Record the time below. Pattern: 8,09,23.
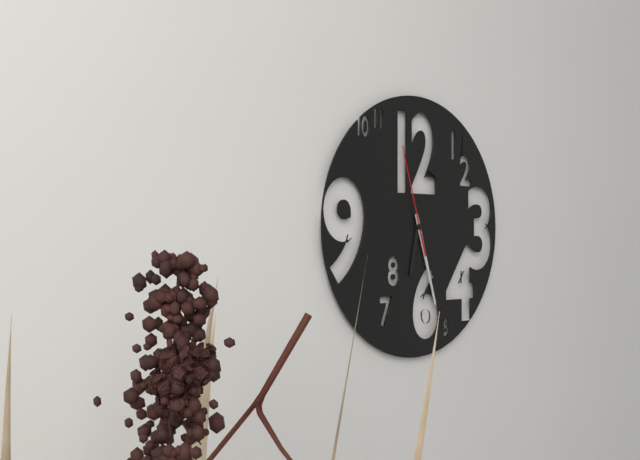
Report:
6,27,57
